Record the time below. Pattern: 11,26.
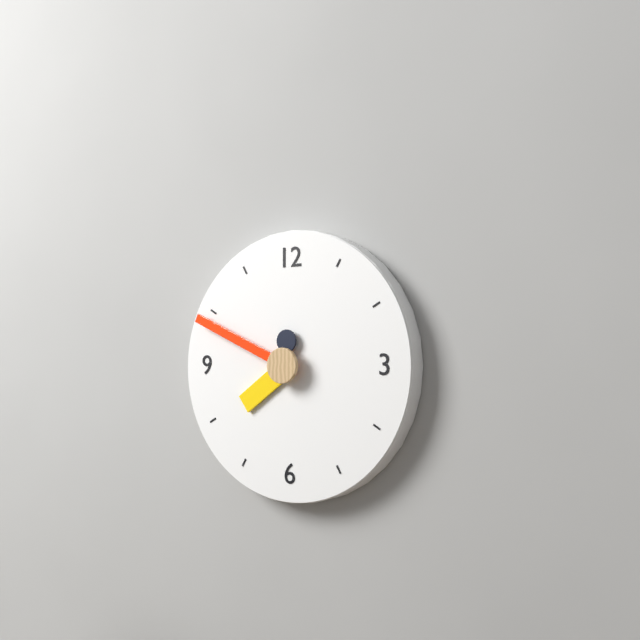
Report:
7,49
